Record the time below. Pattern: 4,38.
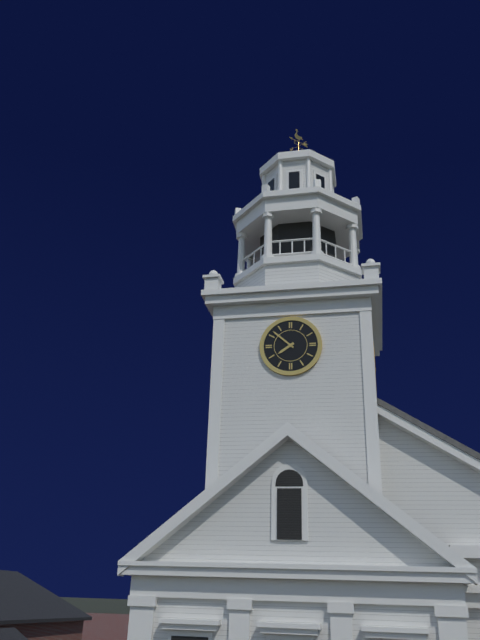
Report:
7,52
